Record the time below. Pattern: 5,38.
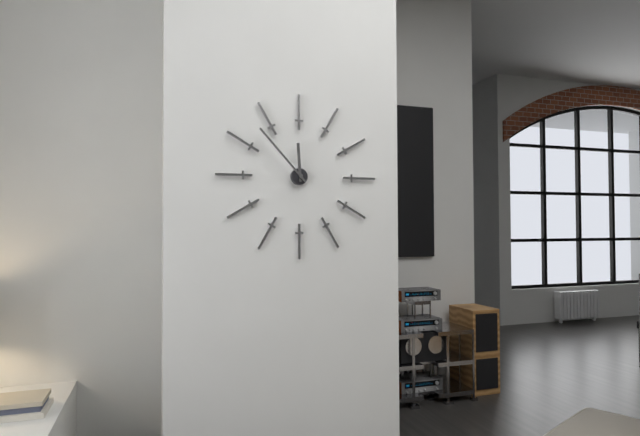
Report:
11,53
